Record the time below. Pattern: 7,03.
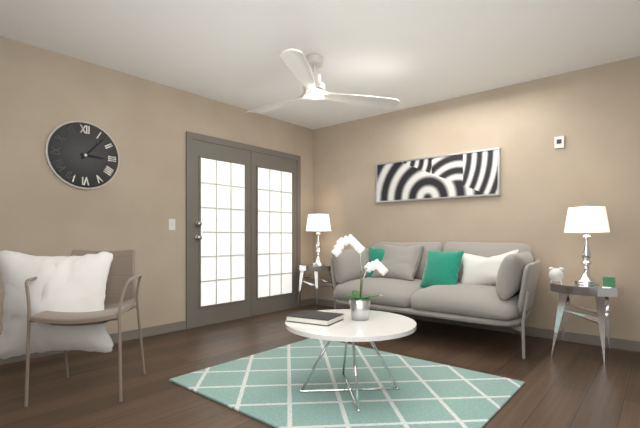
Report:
3,07
